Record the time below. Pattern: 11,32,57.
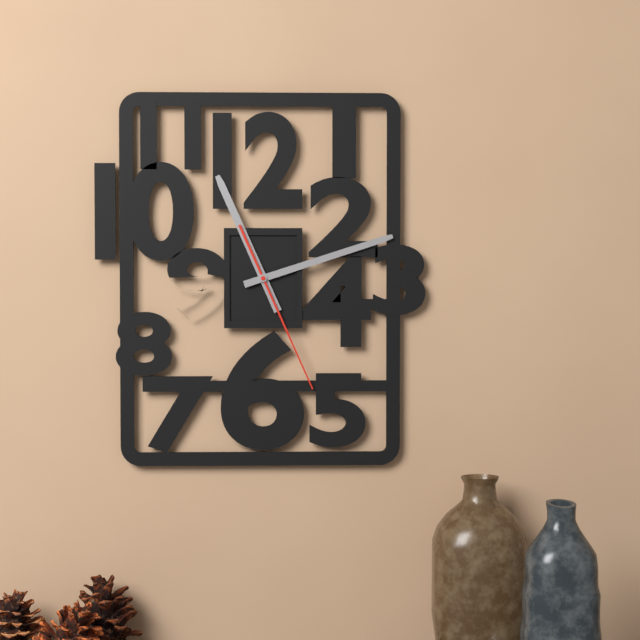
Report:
11,12,26
